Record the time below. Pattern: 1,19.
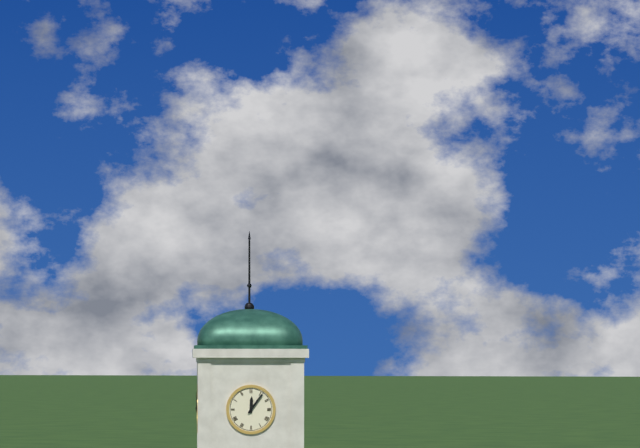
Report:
12,06
